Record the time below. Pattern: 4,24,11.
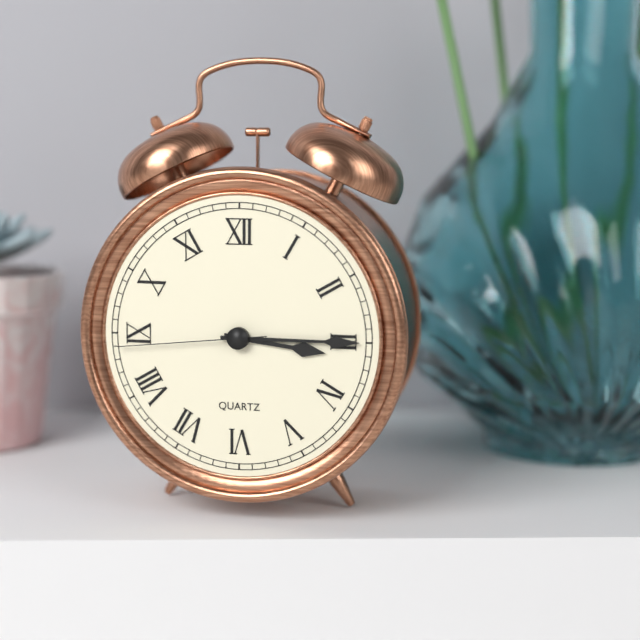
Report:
3,15,44
